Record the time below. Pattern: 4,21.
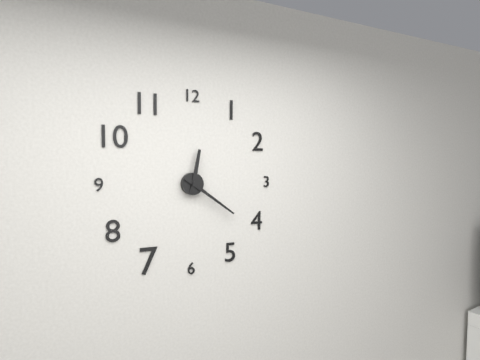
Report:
12,21
